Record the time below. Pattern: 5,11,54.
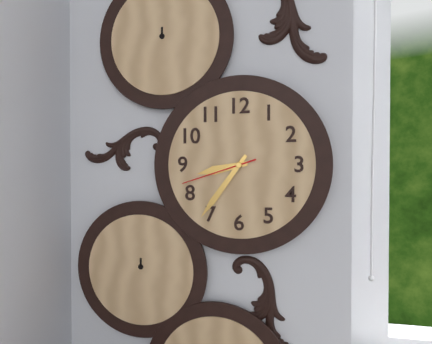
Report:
8,36,42
